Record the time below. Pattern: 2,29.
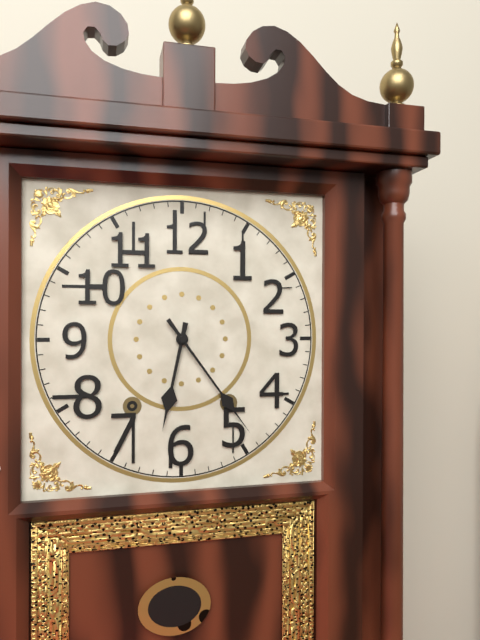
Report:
6,24
